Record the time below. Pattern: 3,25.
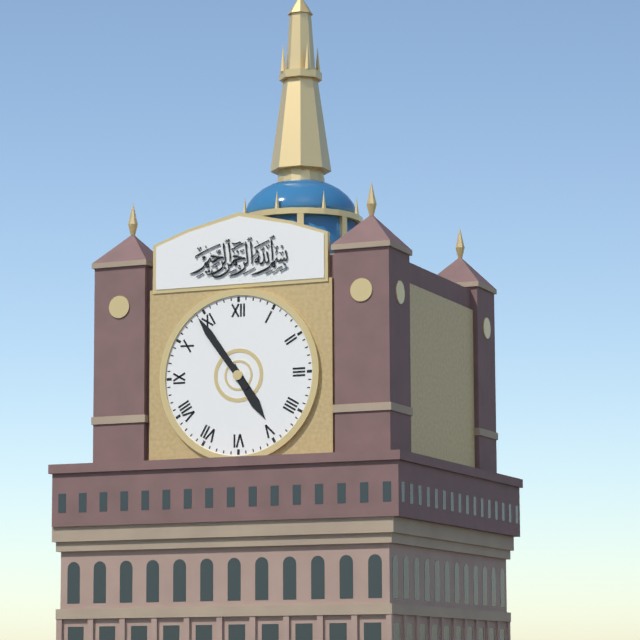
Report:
4,54
